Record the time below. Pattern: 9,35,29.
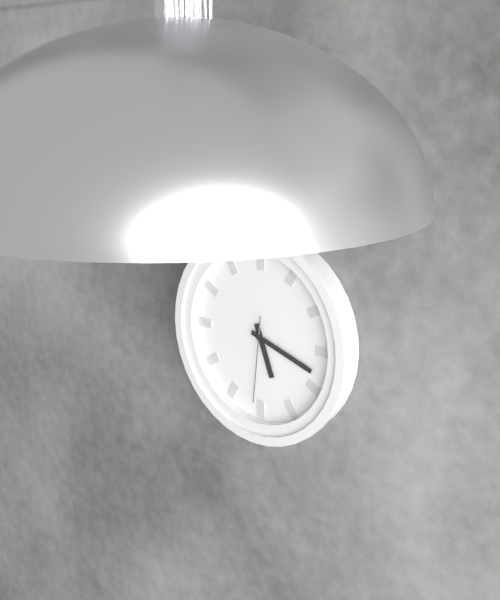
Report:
5,18,31
